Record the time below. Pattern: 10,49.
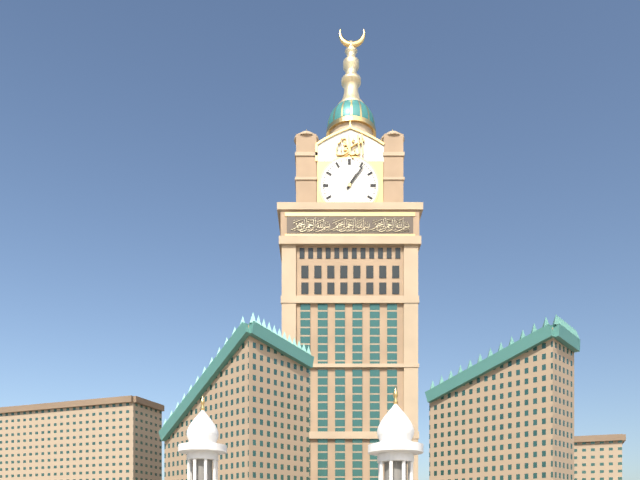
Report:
1,06
